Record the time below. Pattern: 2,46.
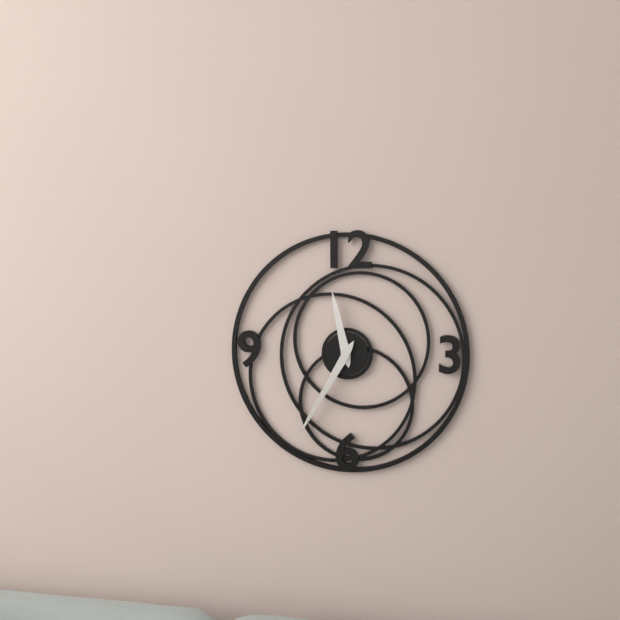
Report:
11,35
